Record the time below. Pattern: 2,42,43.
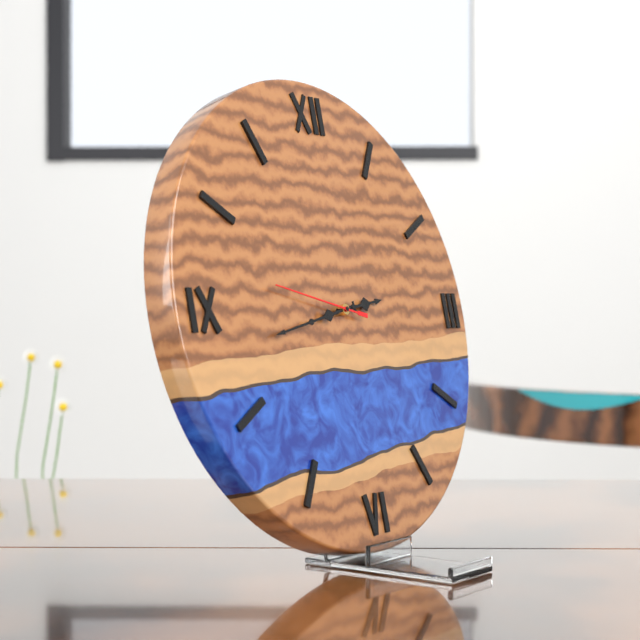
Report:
2,43,47
